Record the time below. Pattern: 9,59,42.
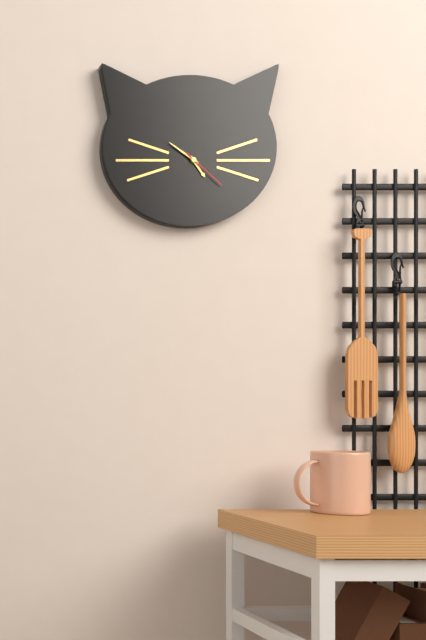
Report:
4,51,22
